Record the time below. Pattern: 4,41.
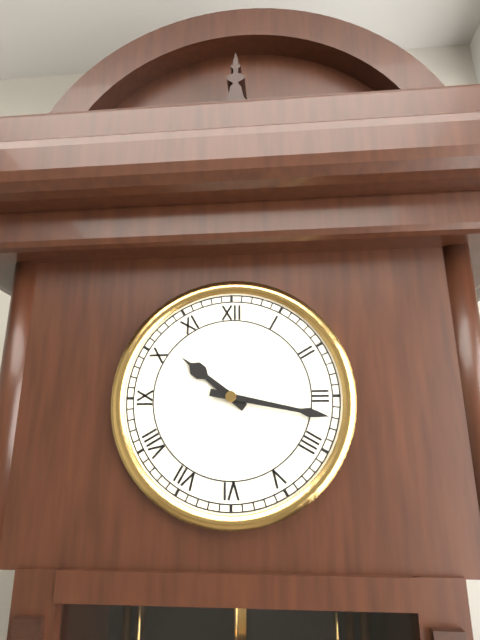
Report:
10,17
